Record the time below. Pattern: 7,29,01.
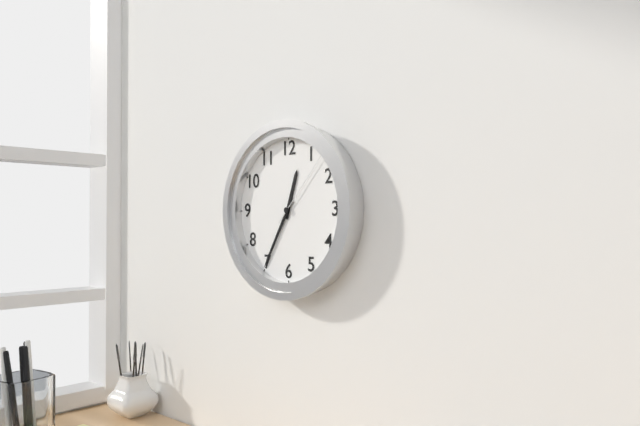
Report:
12,35,07
